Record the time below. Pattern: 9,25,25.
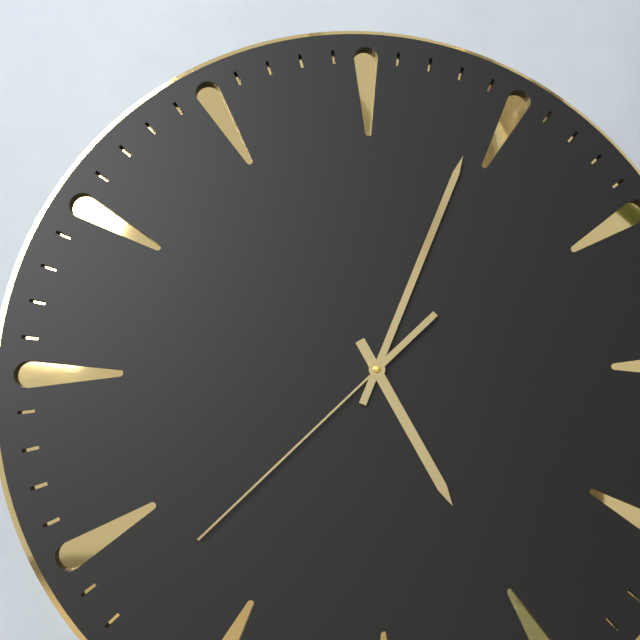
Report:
5,04,38
